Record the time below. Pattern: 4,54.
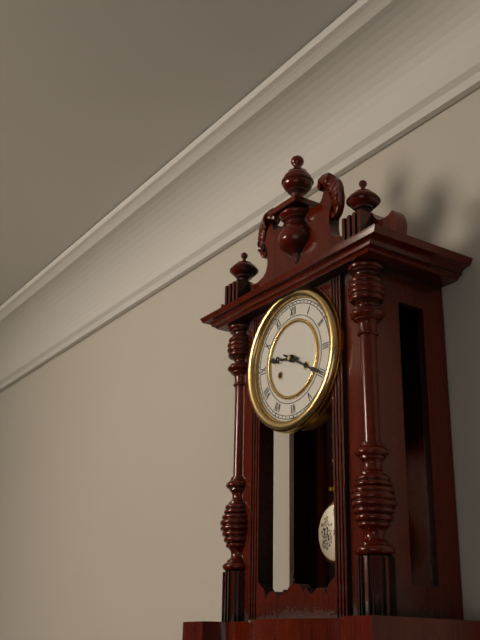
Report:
9,20
